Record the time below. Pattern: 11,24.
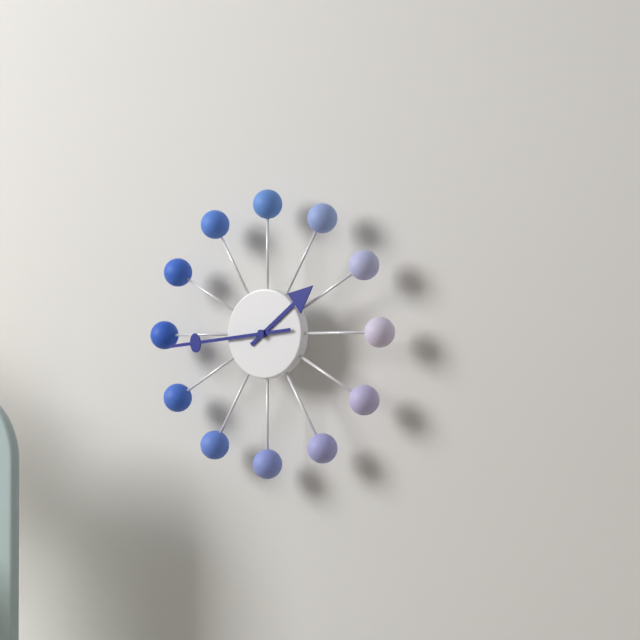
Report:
1,44
